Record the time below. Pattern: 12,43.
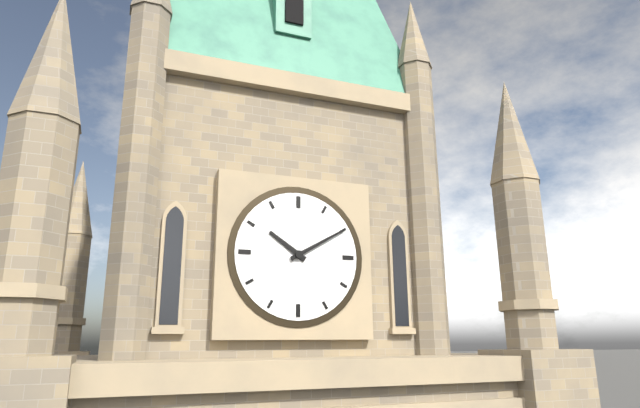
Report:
10,10
